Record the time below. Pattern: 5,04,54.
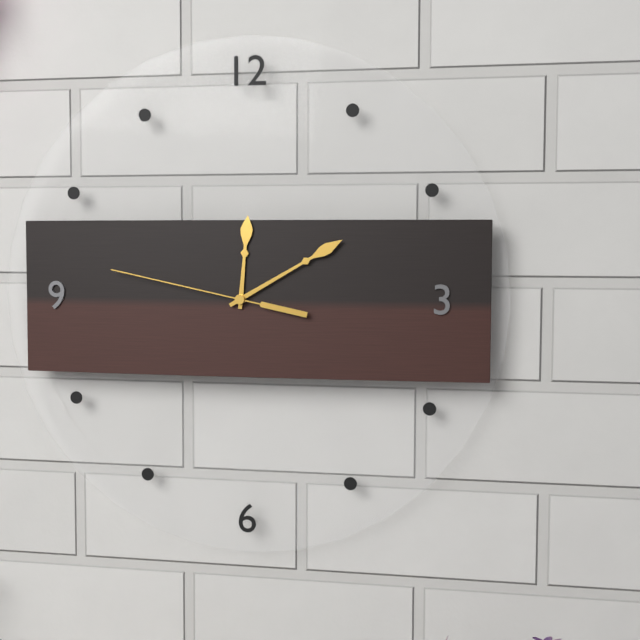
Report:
12,10,47
